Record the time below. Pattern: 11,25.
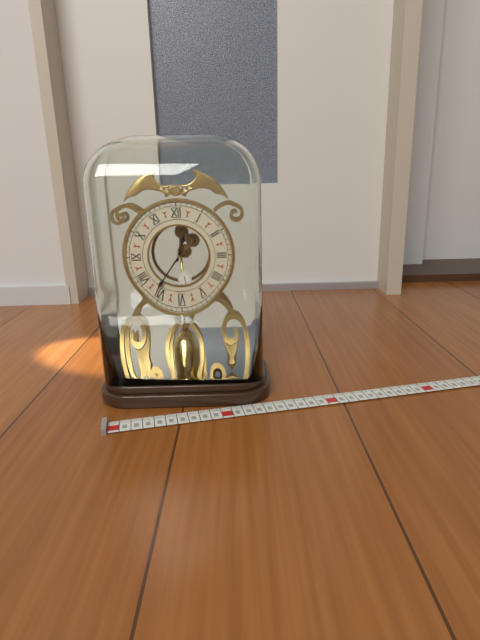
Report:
12,36
